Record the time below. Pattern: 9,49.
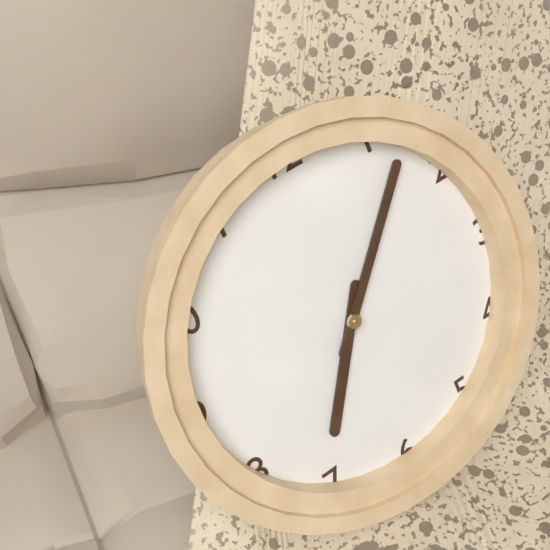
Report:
7,07
